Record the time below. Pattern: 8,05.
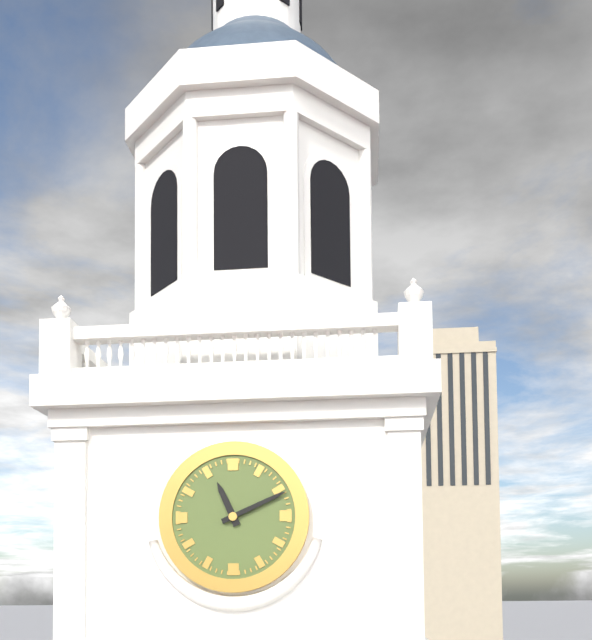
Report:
11,11
